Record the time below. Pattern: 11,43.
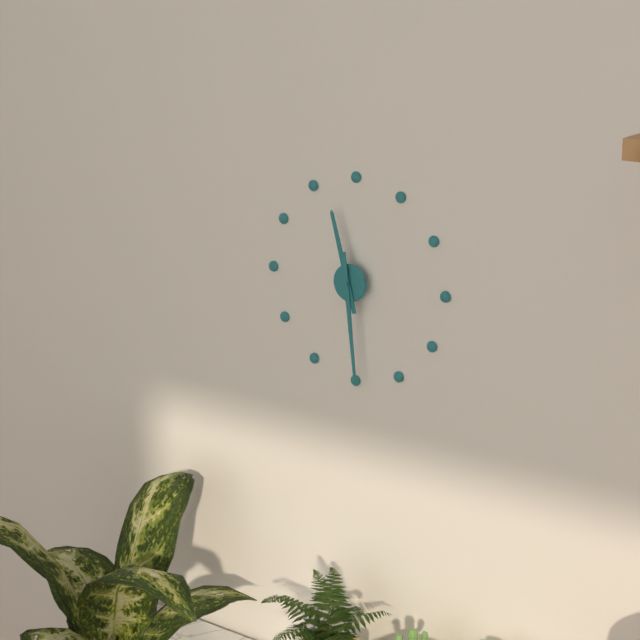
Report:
11,29
